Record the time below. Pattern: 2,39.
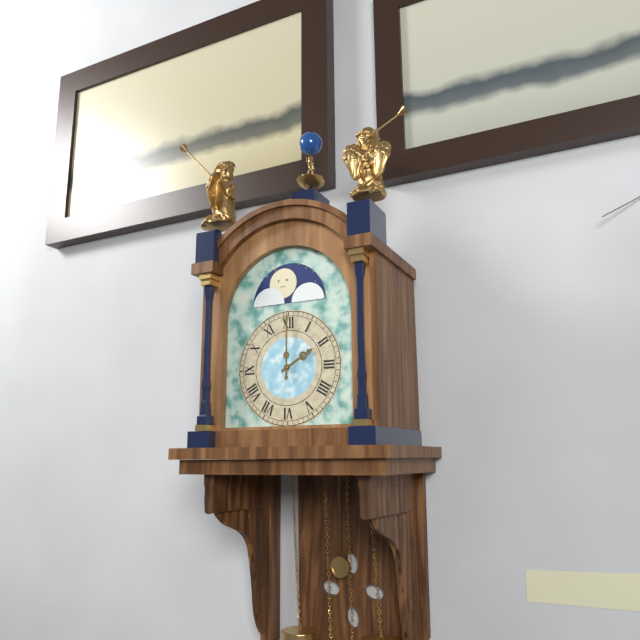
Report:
2,00
